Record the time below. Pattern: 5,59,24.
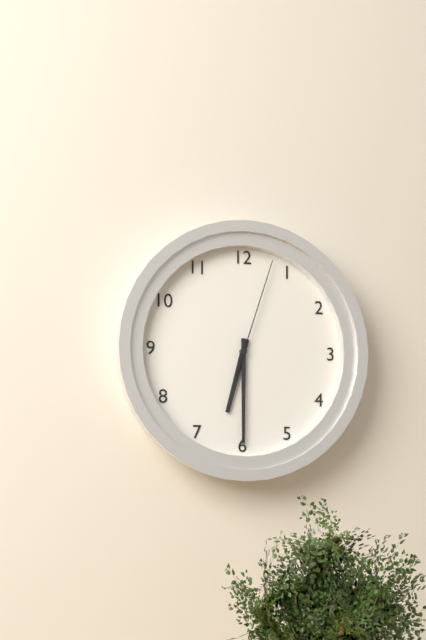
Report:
6,30,03
